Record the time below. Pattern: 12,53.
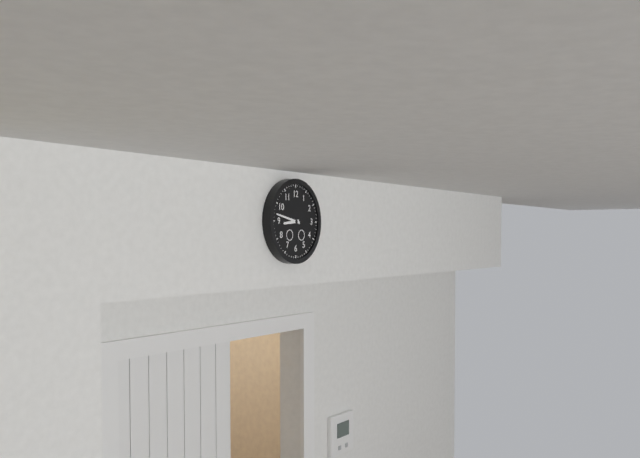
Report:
8,47
